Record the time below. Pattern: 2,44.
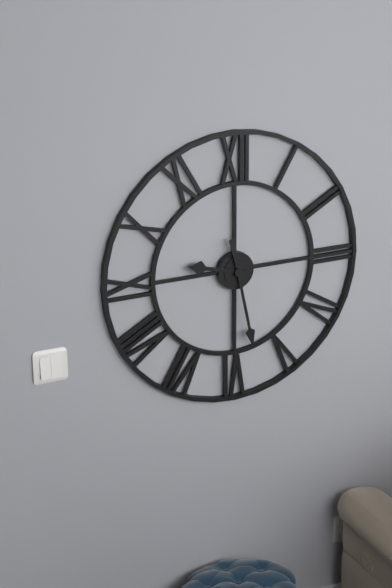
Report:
9,28
